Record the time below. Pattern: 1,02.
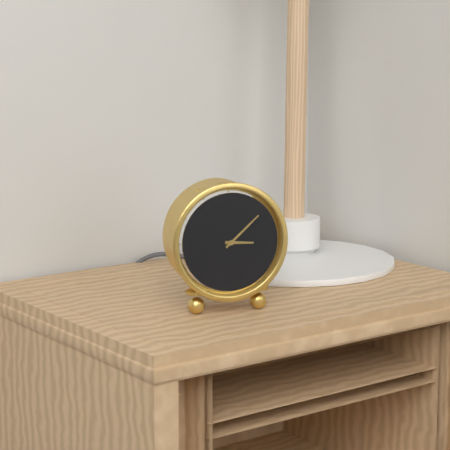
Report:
3,08
